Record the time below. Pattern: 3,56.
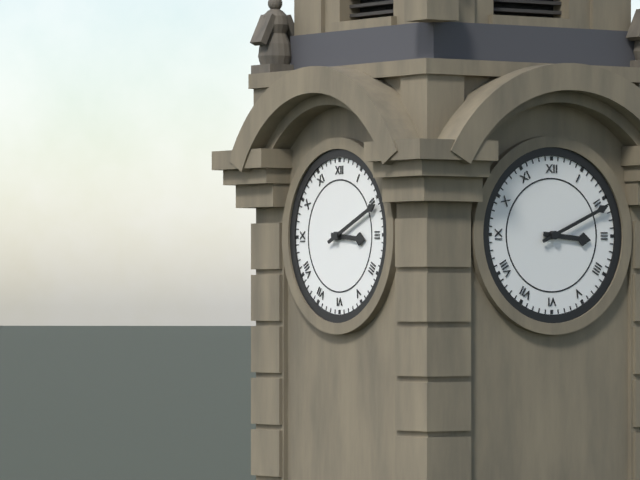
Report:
3,11
